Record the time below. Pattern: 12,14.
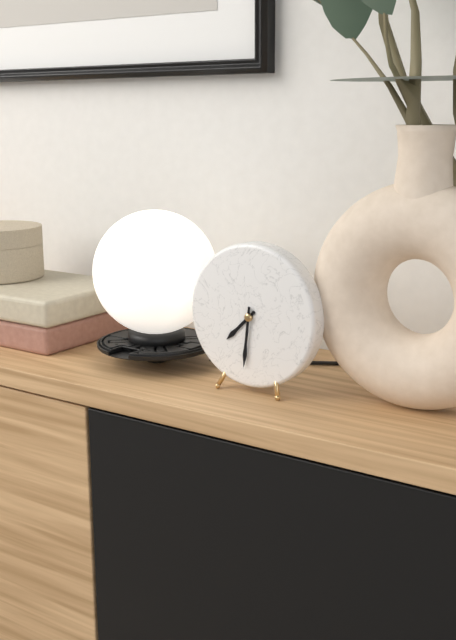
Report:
7,31
